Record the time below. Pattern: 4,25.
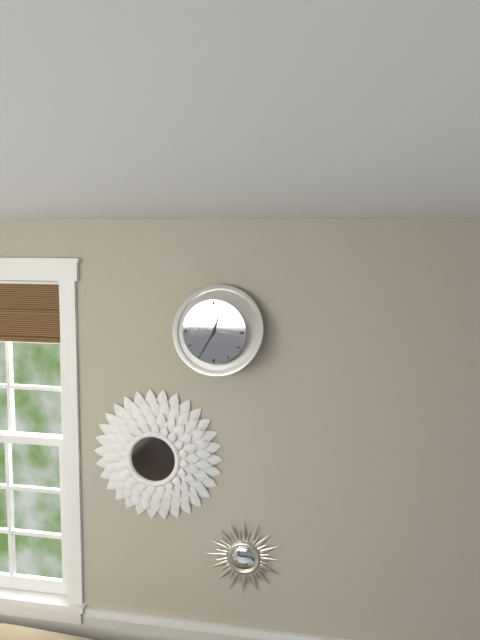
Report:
12,35
